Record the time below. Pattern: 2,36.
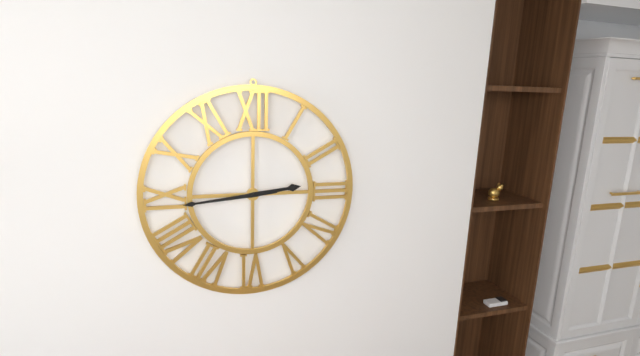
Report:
2,44
